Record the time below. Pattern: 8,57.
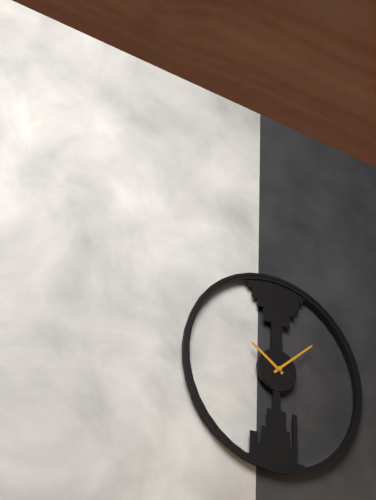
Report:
10,08
